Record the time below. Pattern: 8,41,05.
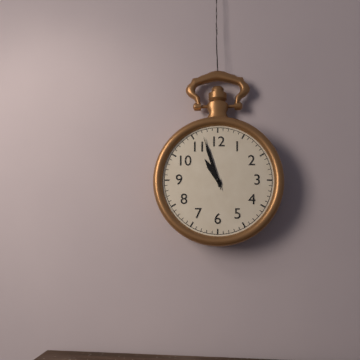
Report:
10,57,57
